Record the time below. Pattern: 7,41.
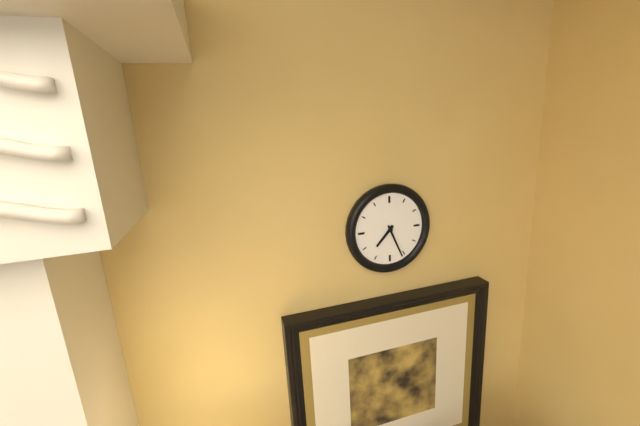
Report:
7,26
